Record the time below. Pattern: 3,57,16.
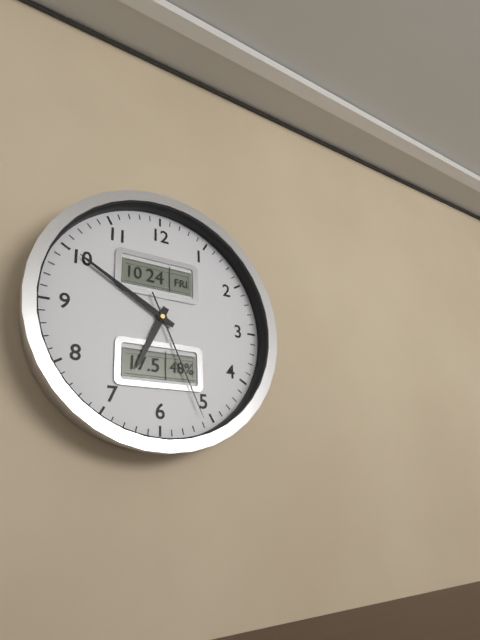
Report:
6,50,26
